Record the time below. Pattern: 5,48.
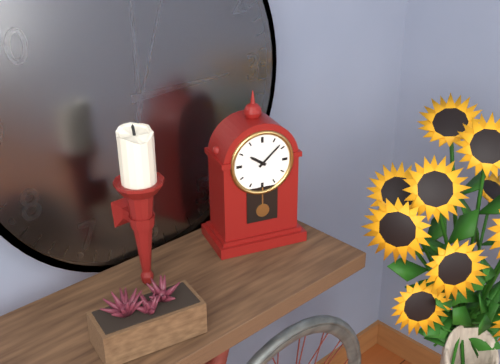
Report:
10,08
